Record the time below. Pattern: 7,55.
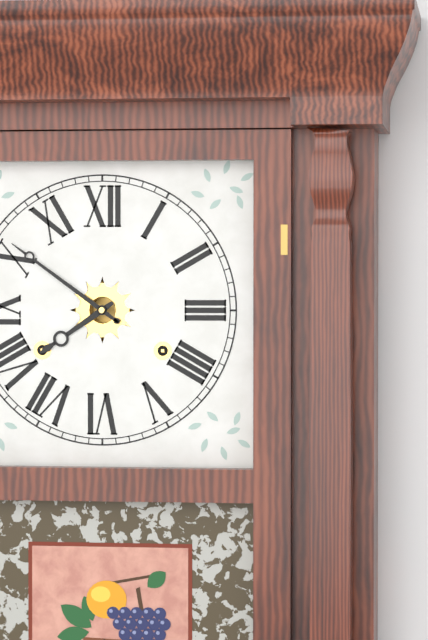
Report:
7,51
